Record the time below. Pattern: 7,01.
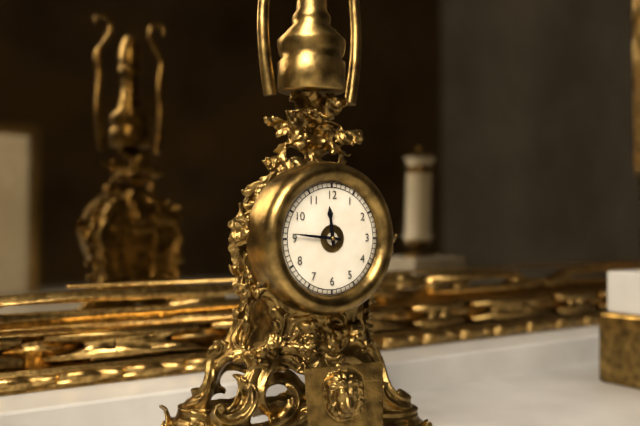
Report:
11,46
